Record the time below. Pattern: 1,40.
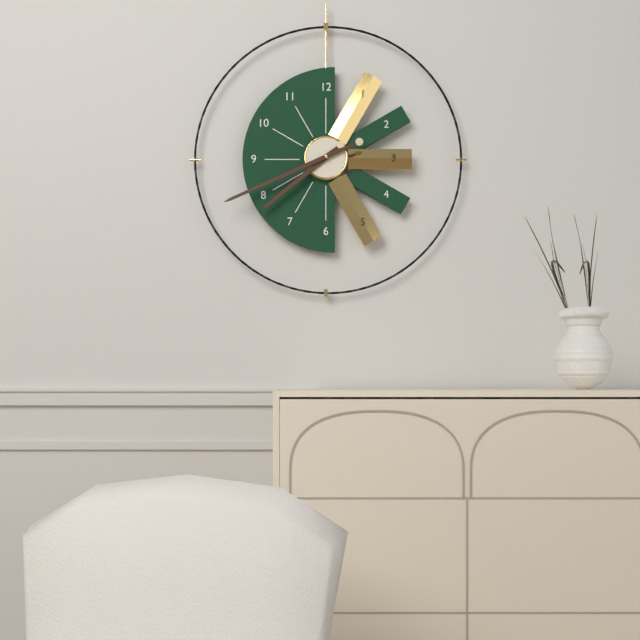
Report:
7,41
